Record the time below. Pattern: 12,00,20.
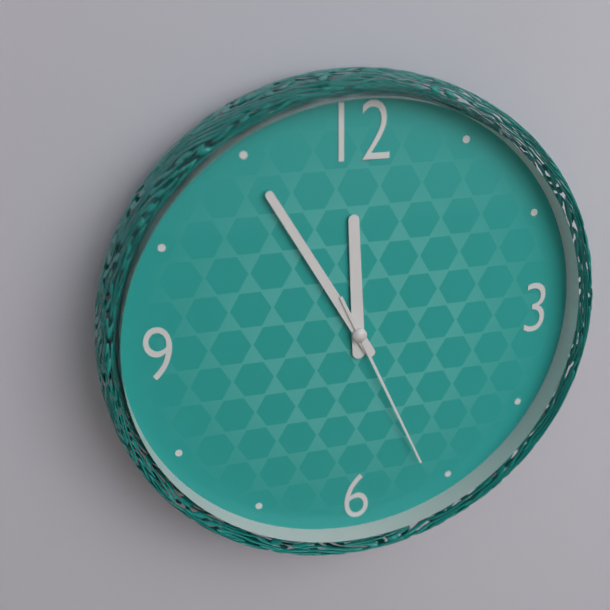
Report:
11,55,26
